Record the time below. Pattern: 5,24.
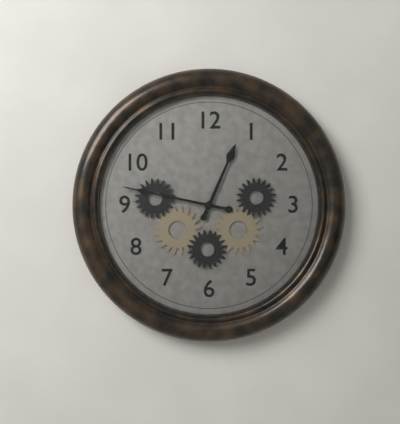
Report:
12,47
